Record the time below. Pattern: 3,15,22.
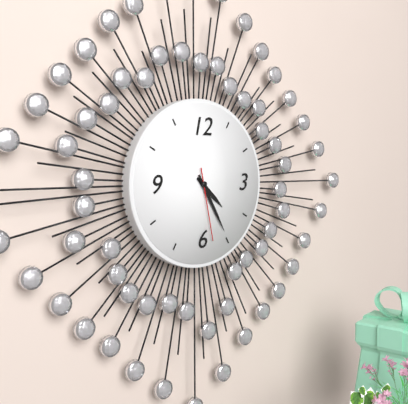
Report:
4,25,28
